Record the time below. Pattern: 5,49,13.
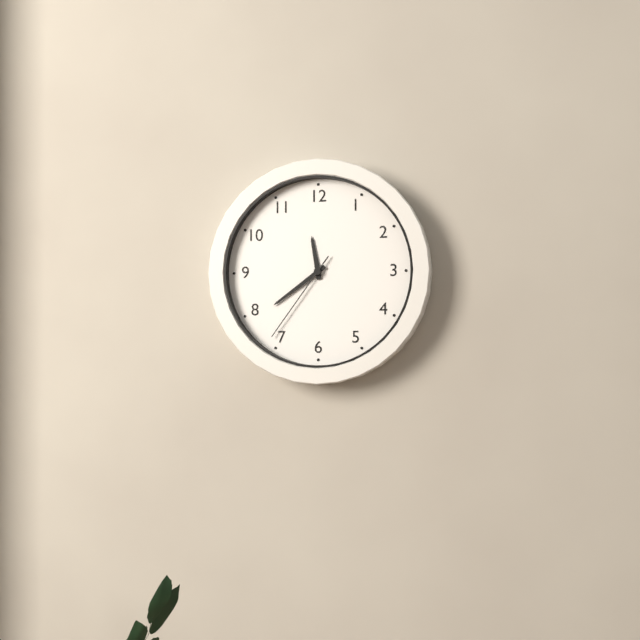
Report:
11,39,36
